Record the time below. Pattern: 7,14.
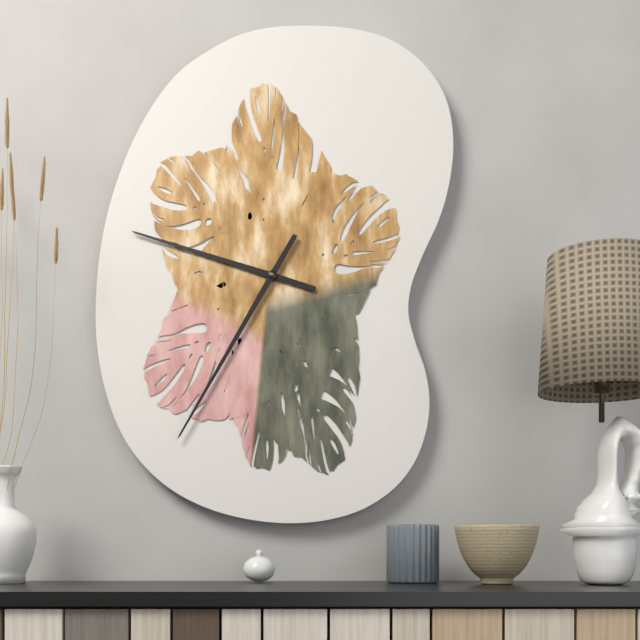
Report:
9,35
